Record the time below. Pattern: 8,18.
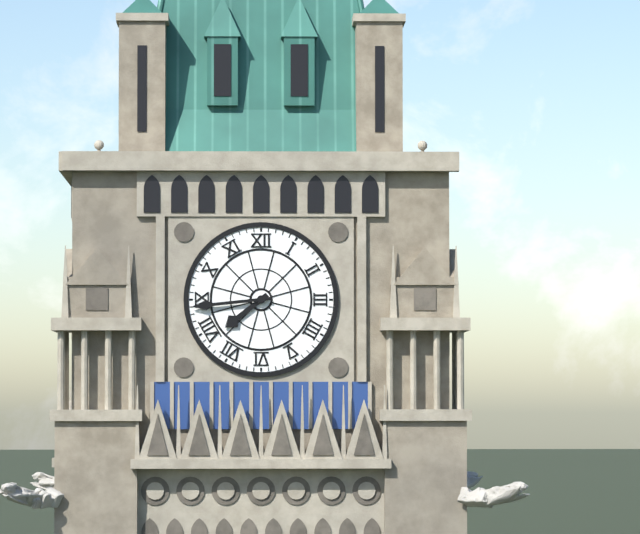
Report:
7,44
